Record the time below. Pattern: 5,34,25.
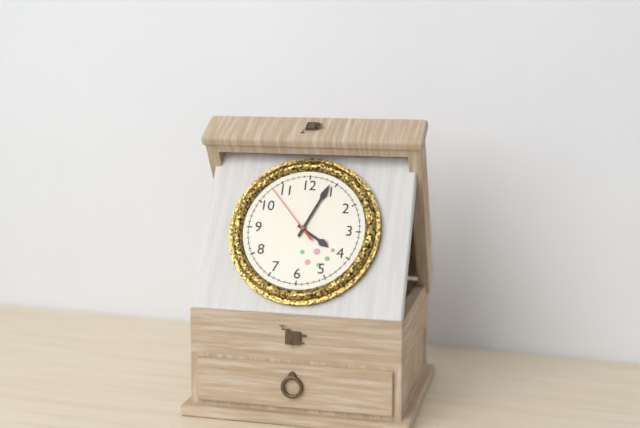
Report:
4,04,53
